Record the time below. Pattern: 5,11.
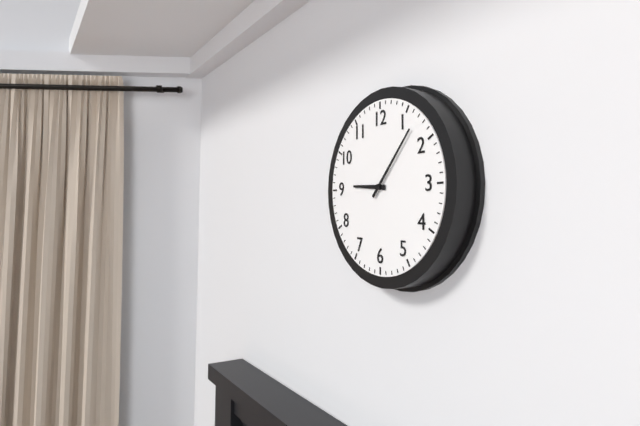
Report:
9,07
